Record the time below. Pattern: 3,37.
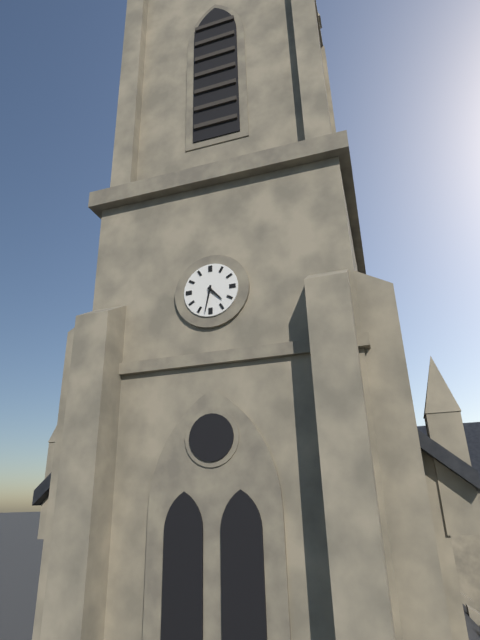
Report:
4,32
